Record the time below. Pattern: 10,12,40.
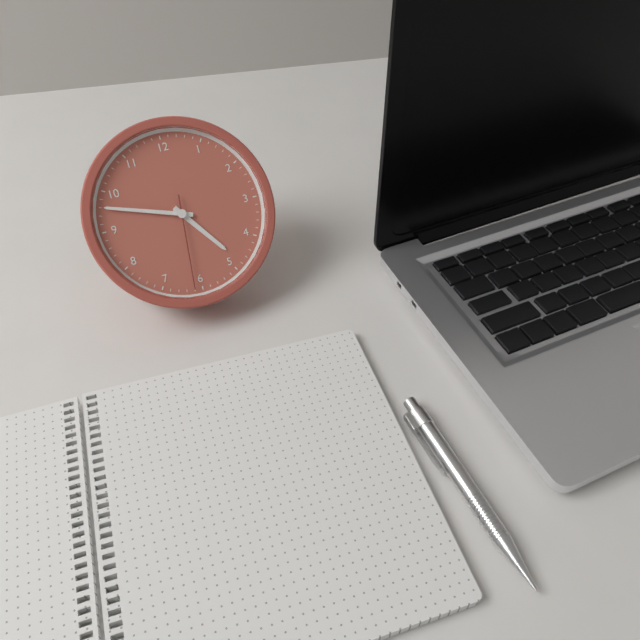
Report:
4,48,31
